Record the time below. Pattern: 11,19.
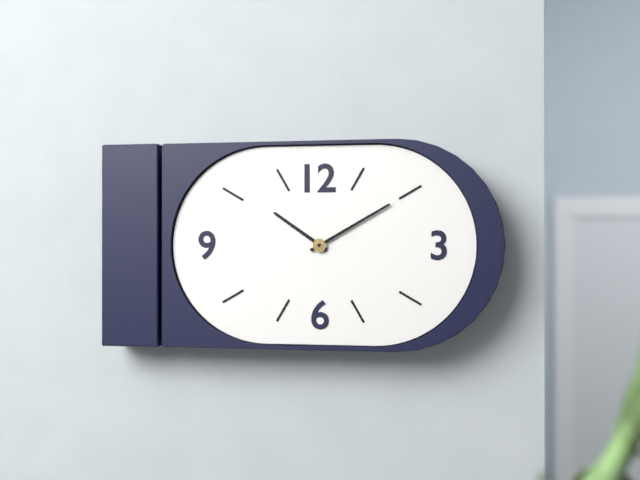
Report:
10,10
